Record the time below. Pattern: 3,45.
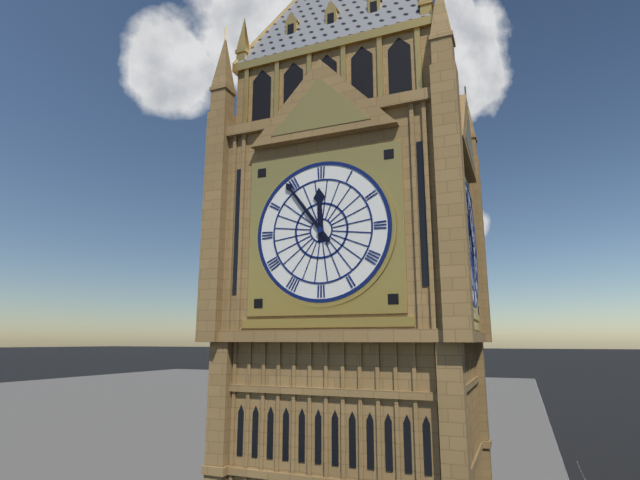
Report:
11,54
